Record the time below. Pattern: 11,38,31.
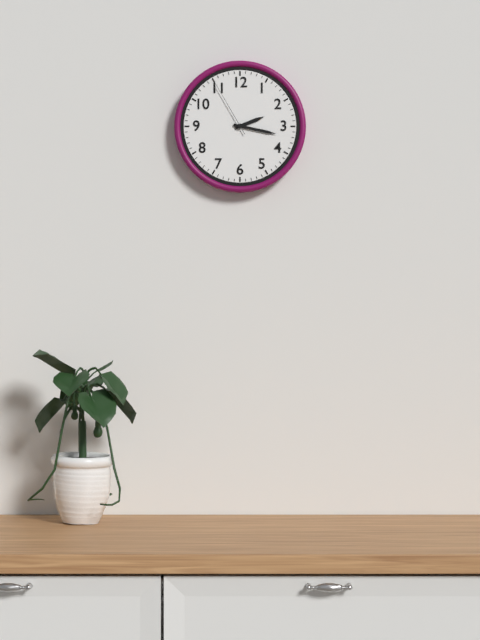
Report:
2,17,55
